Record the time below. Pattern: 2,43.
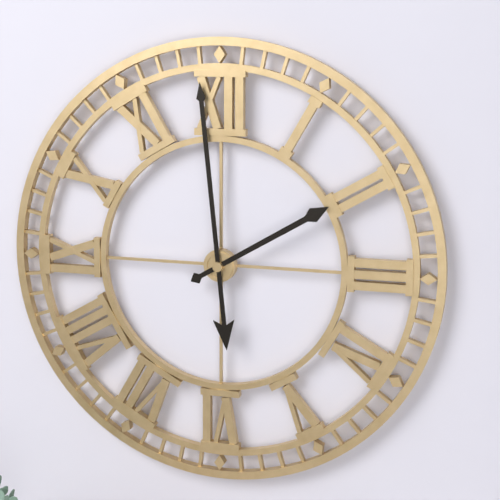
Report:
1,59
